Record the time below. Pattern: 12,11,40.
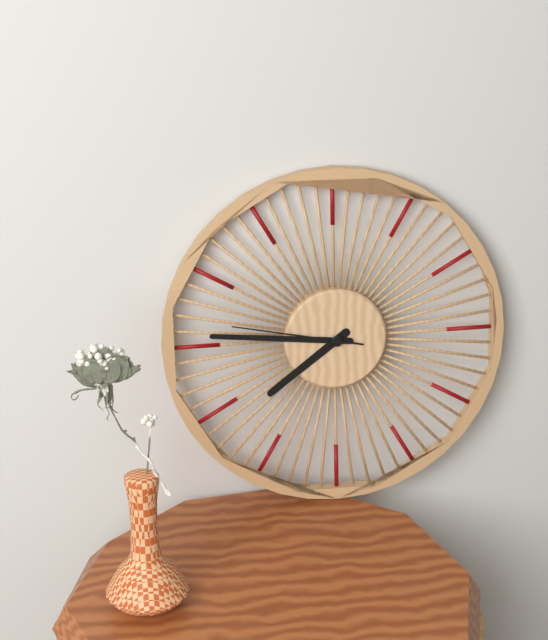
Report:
7,46,47
